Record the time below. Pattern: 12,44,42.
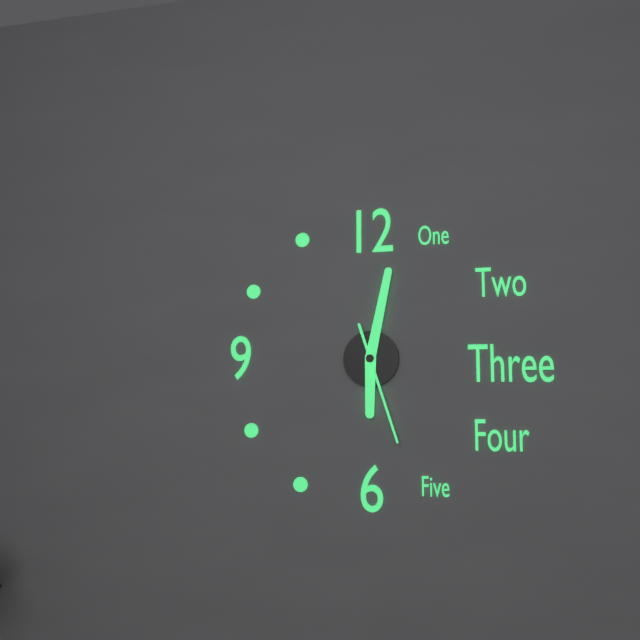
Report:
6,02,27
